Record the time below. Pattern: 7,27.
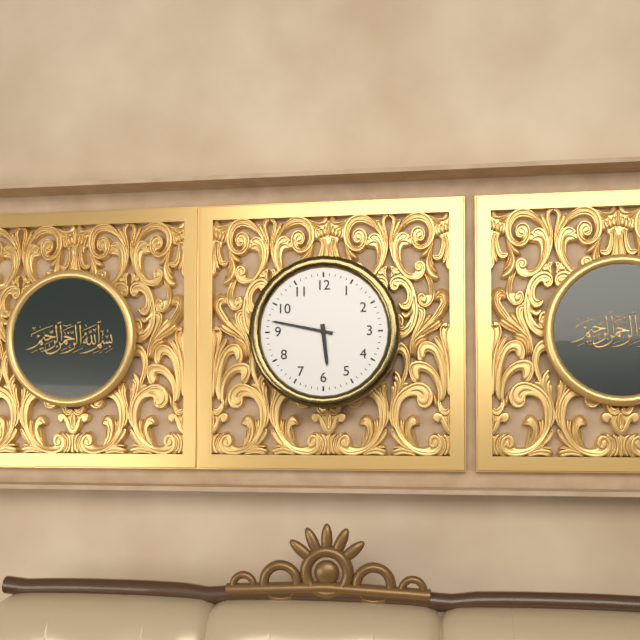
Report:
5,47
